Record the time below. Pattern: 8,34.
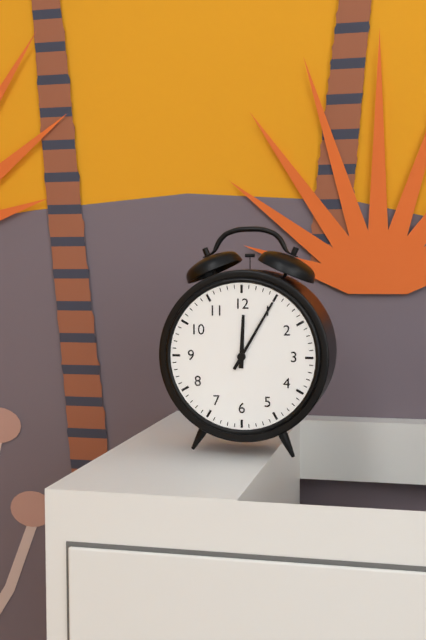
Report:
12,05
